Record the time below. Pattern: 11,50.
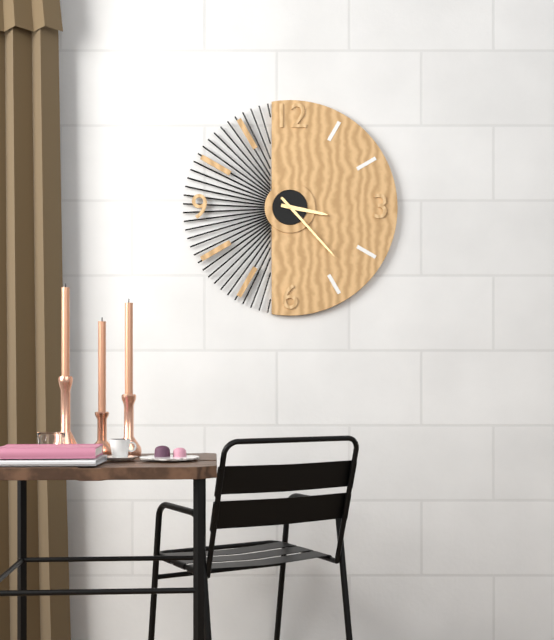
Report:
3,23
